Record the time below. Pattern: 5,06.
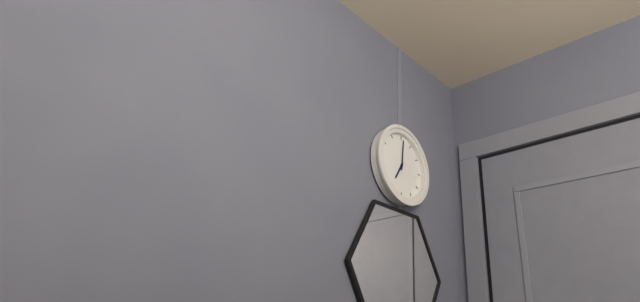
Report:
7,01
